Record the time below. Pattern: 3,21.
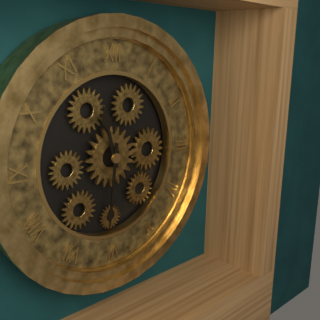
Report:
11,31
